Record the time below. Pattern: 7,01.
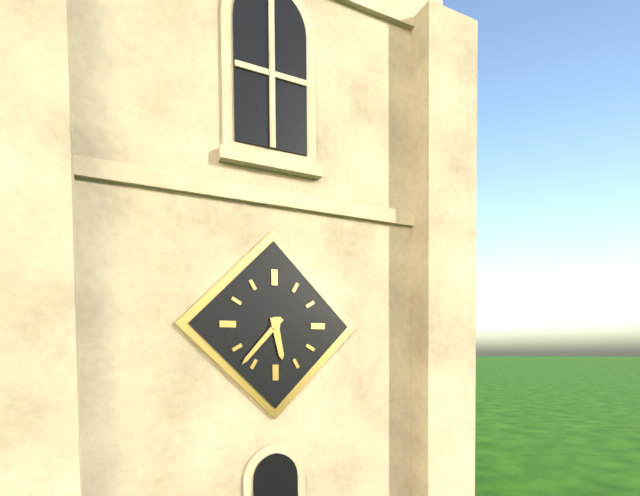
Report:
5,37
